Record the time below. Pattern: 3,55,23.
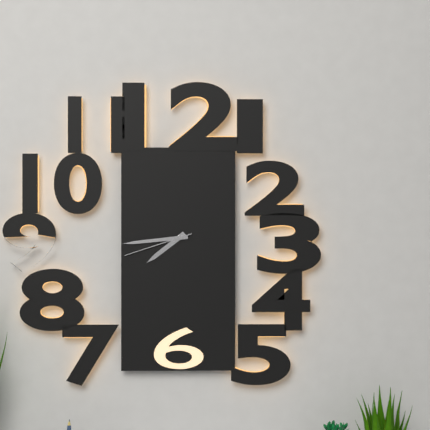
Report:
7,44,42
